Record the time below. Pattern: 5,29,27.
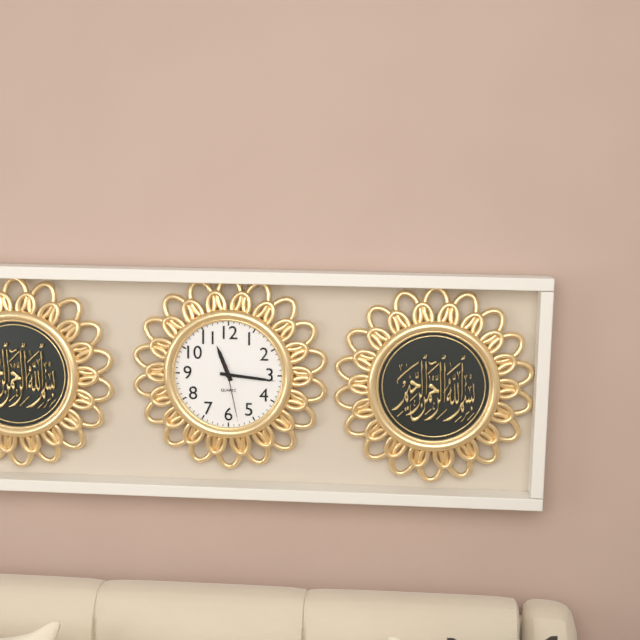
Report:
11,16,28
